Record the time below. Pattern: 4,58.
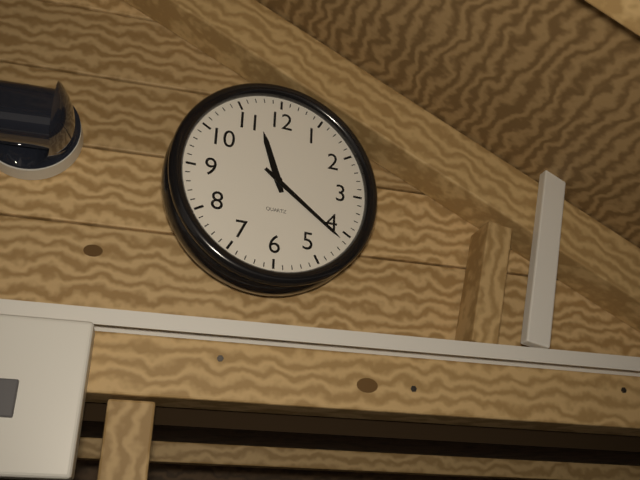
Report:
11,21
